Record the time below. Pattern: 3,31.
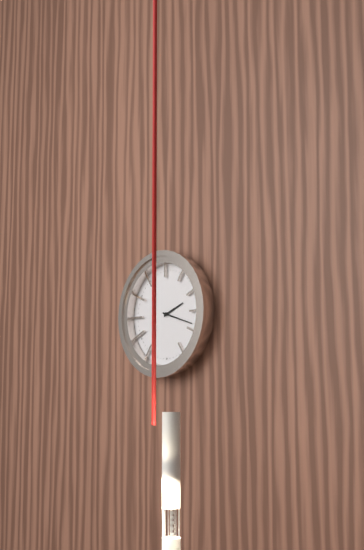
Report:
2,18
